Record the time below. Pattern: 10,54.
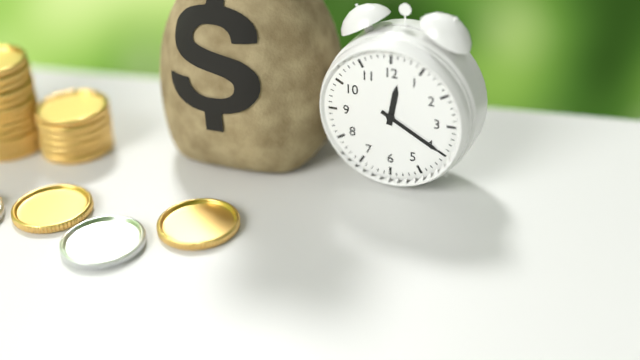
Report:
12,20
